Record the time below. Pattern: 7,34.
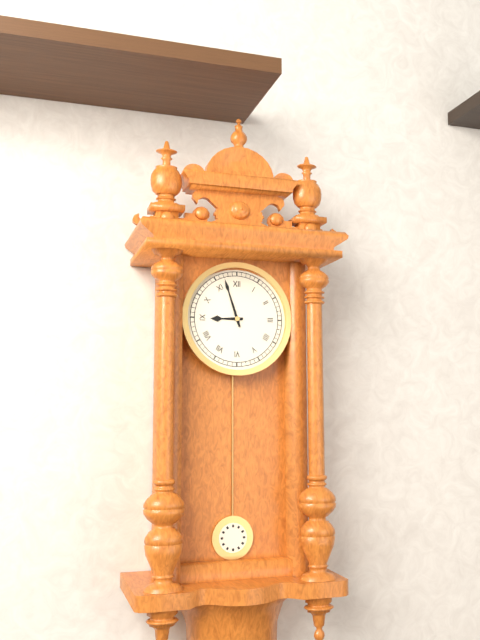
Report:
8,57
